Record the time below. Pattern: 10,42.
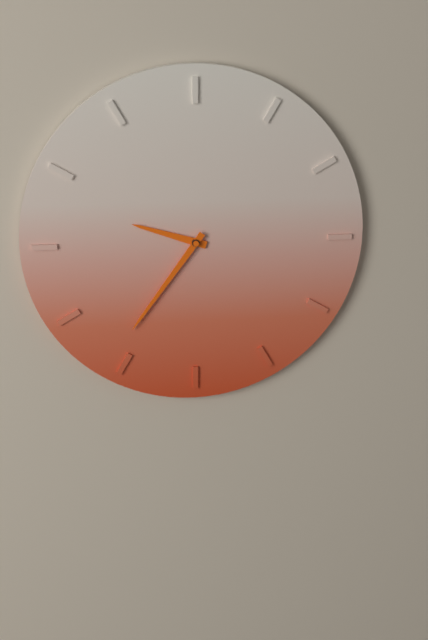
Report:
9,36
